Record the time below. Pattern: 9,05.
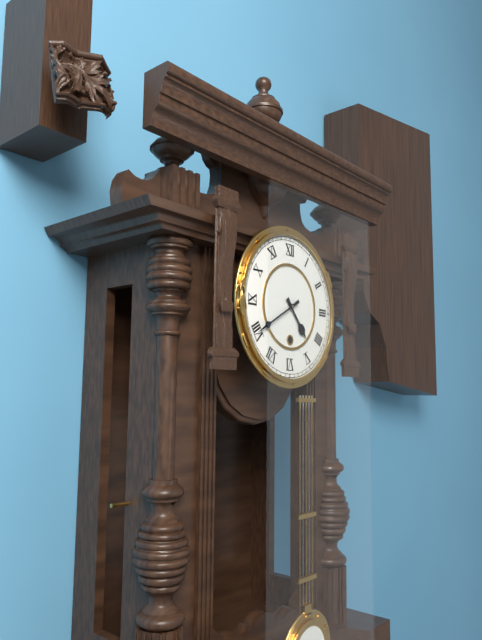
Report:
4,40
